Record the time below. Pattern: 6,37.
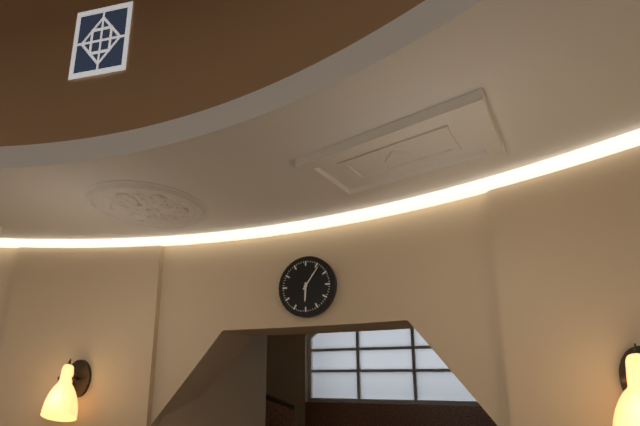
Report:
6,06
